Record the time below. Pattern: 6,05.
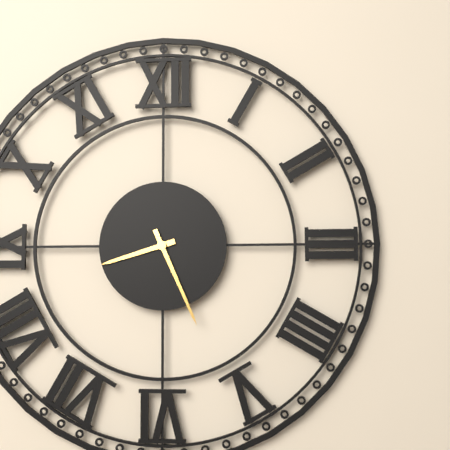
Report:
8,26
